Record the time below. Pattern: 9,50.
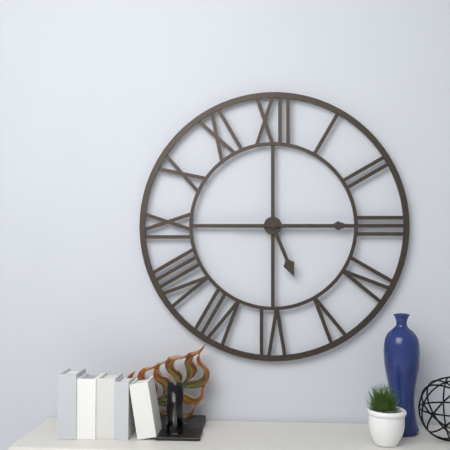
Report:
5,15
